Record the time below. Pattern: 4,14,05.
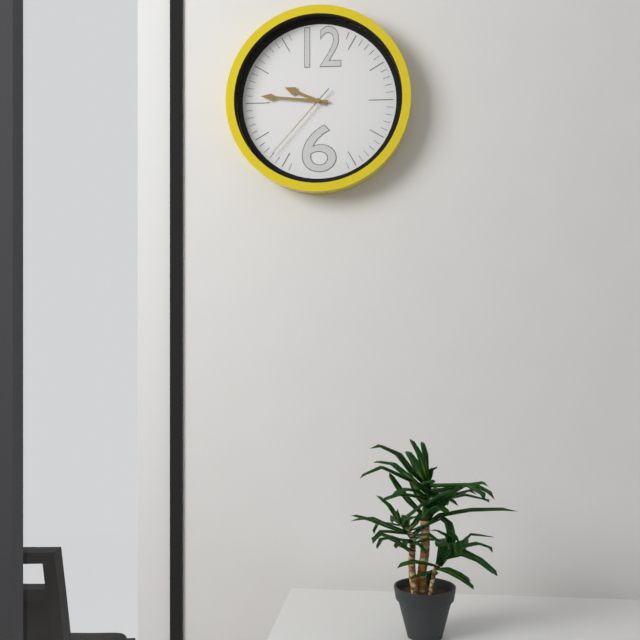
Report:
9,46,37
